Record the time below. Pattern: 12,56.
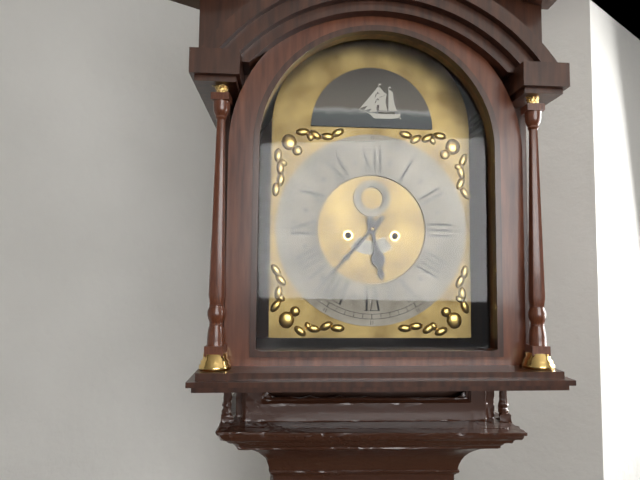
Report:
5,37
